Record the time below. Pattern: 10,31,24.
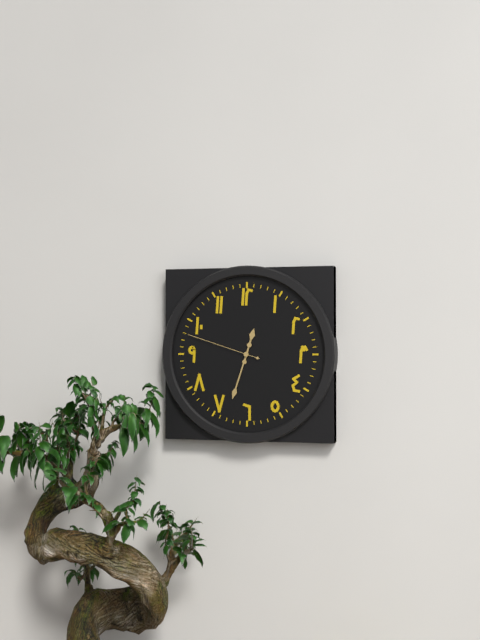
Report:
12,33,48
